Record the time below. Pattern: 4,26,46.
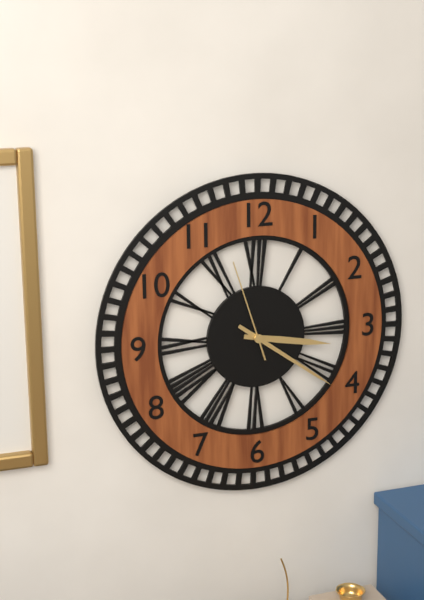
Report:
3,21,57
